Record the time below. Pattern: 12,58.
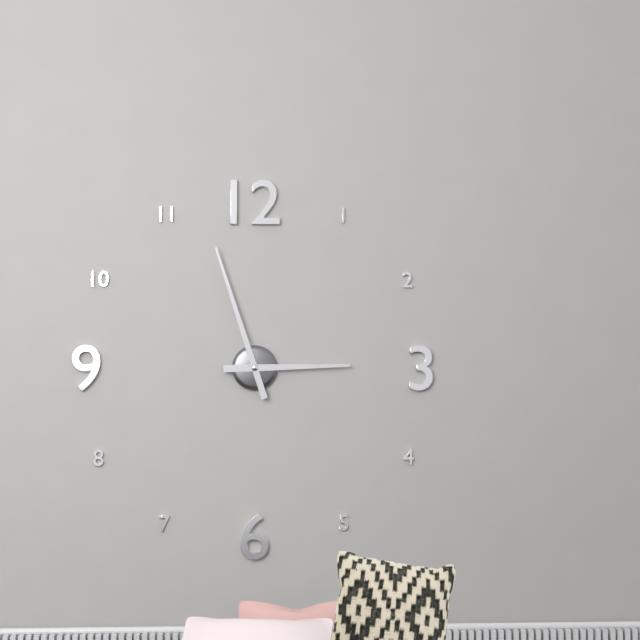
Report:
2,57
